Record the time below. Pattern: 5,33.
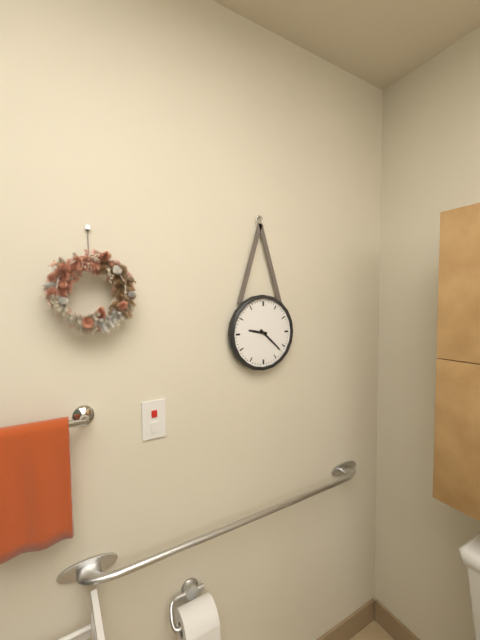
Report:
9,22
